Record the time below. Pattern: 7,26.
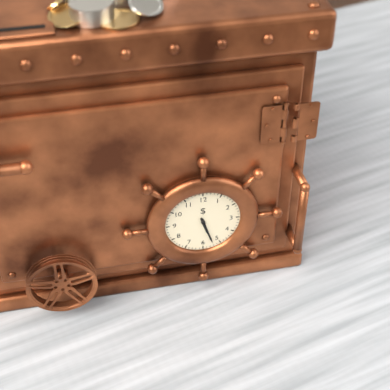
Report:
5,27
